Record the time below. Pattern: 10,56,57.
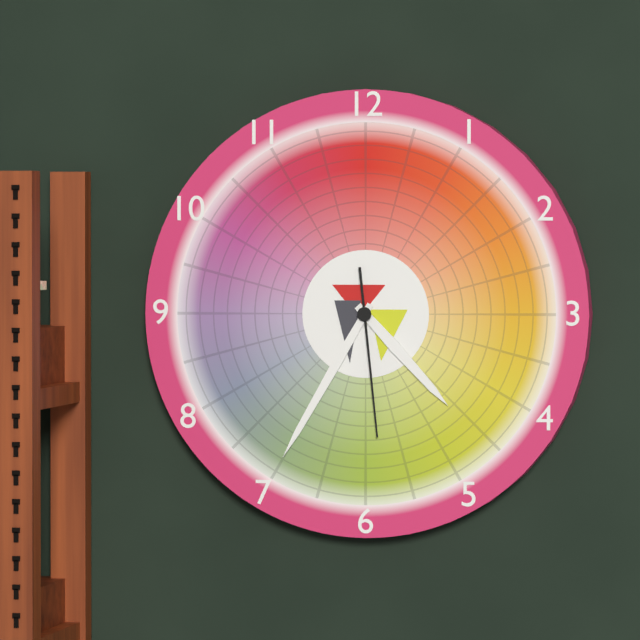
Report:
4,35,29
